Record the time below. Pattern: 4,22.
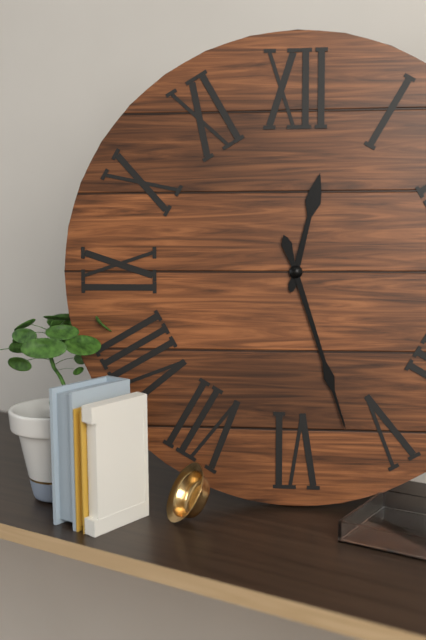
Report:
12,27
